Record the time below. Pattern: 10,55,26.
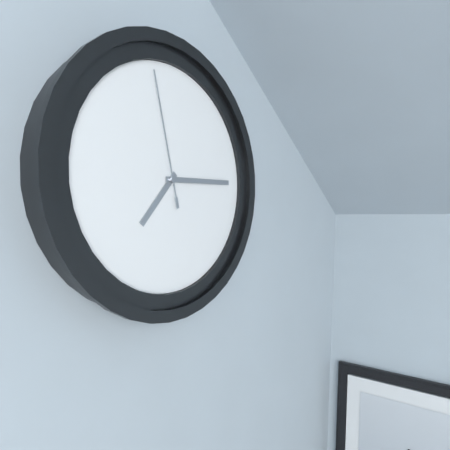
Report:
7,14,57
